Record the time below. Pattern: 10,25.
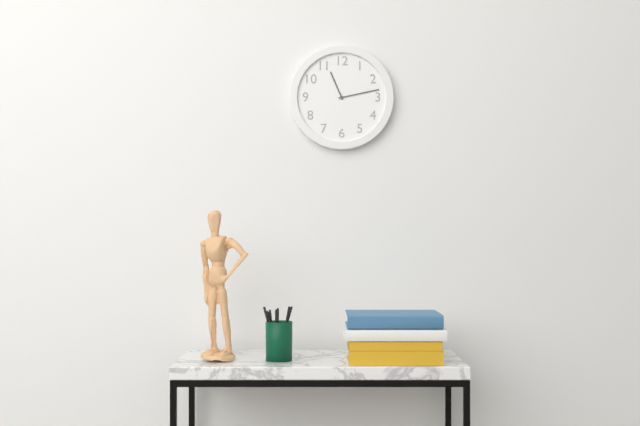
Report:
11,13
